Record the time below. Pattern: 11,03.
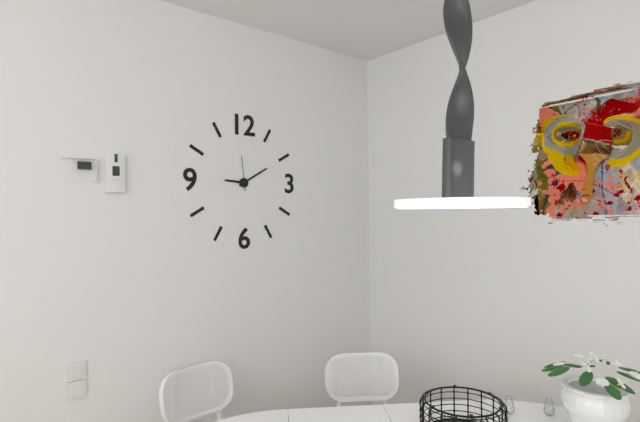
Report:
9,10
